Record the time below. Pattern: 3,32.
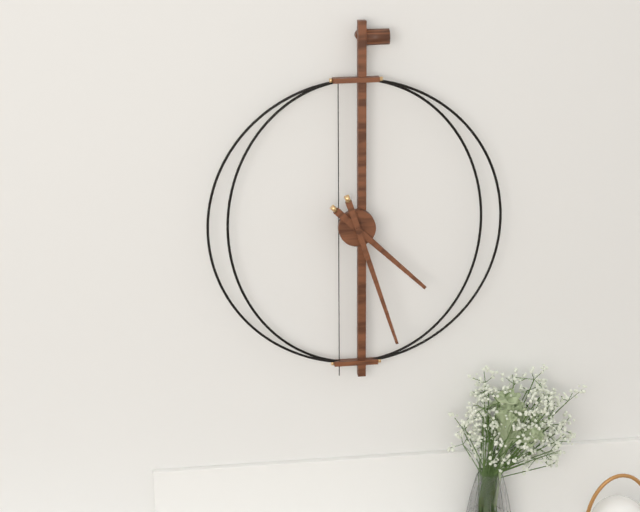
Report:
4,27
